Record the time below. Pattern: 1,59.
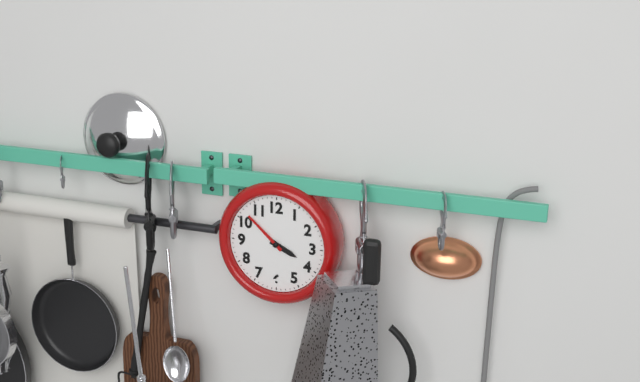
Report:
3,52
